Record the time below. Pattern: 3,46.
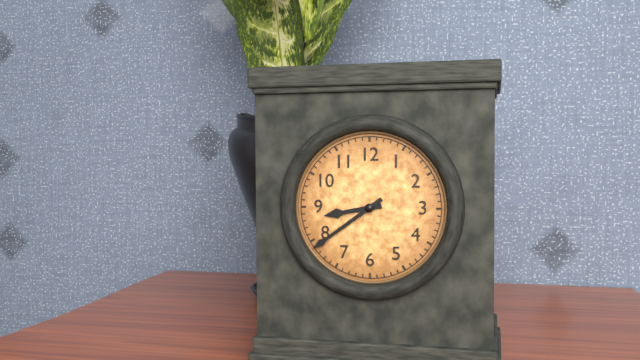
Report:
8,39
